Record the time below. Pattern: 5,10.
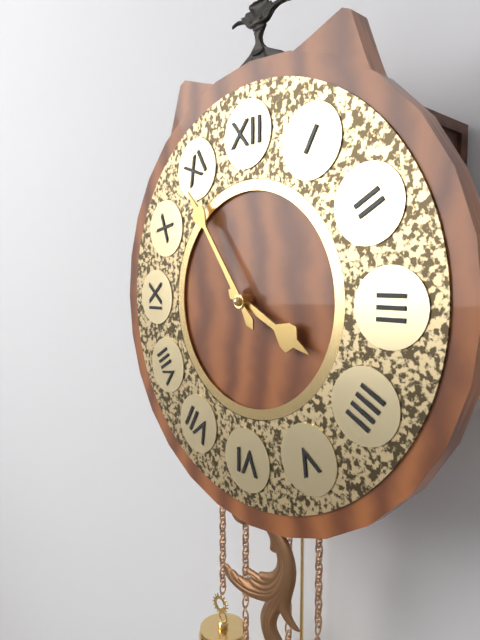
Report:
3,54
